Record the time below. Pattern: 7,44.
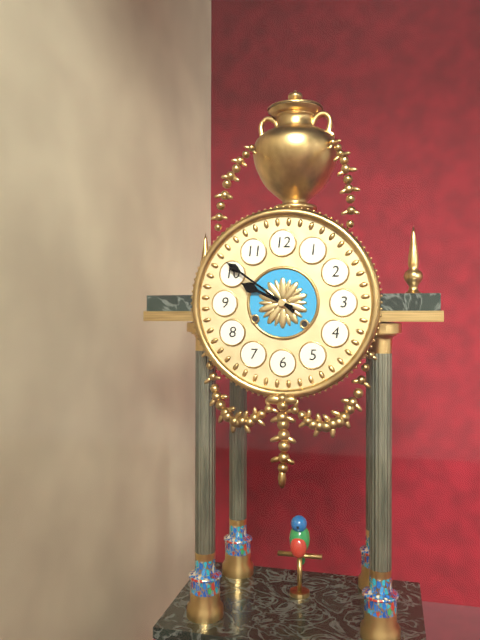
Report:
9,51
